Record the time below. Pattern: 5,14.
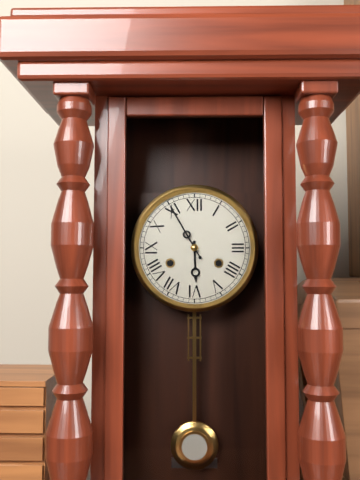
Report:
5,55
